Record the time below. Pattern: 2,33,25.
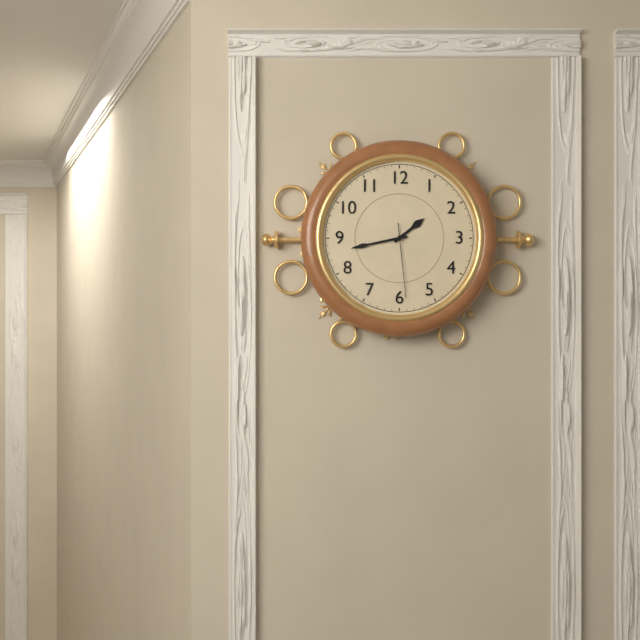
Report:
1,43,29
